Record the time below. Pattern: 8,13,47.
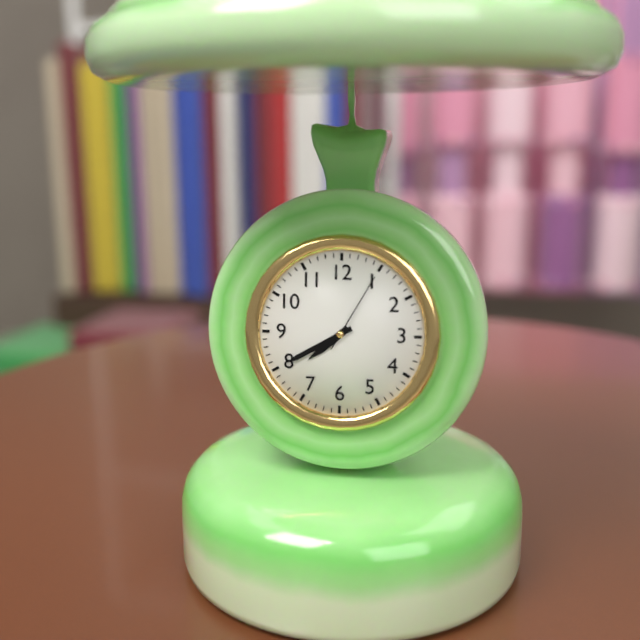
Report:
7,40,05
